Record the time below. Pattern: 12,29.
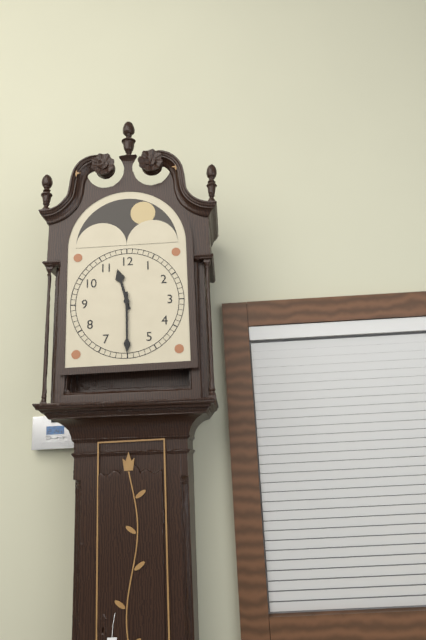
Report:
11,30
